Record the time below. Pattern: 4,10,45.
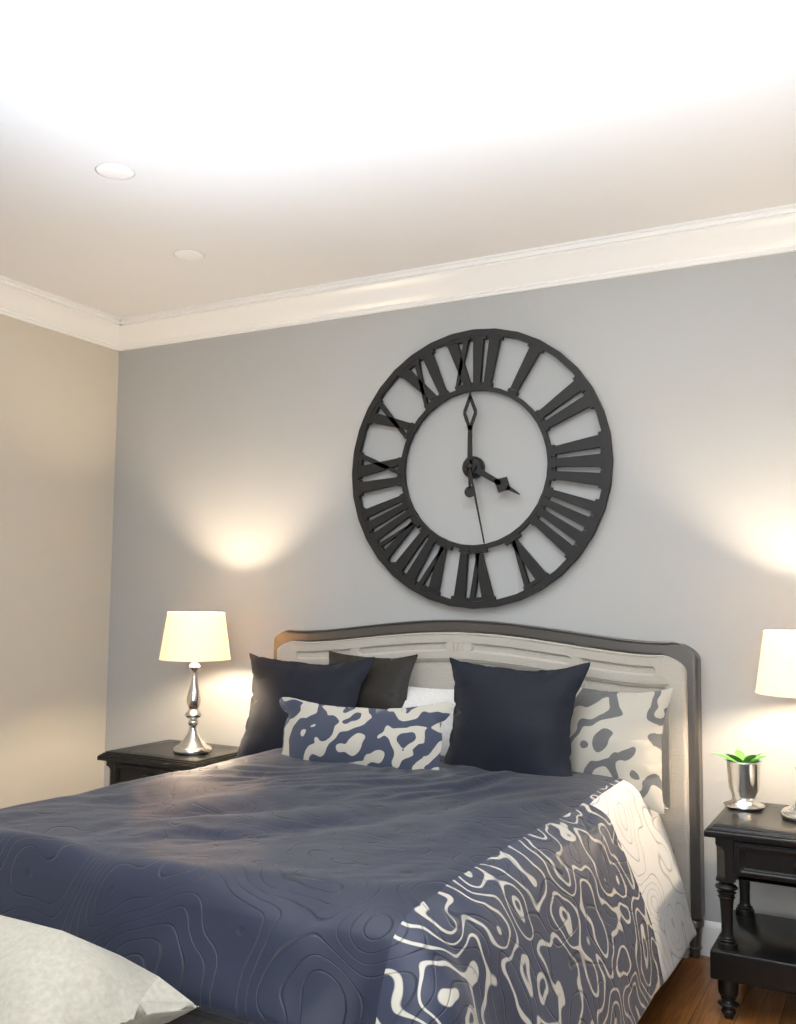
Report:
4,00,28
